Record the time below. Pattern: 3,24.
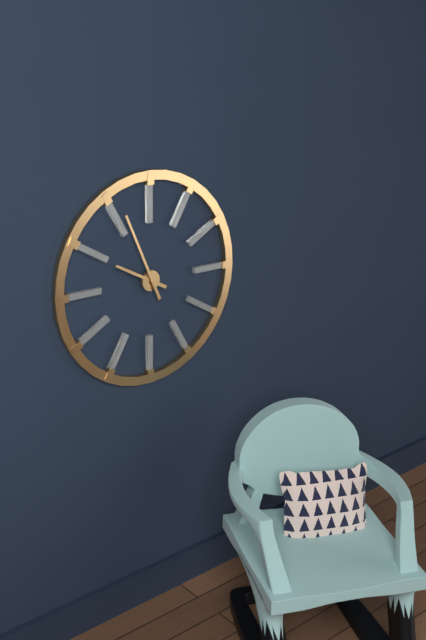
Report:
9,56
